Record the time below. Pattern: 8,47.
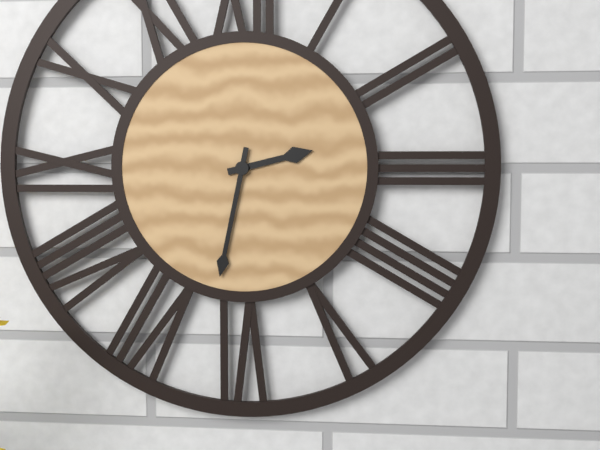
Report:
2,32
